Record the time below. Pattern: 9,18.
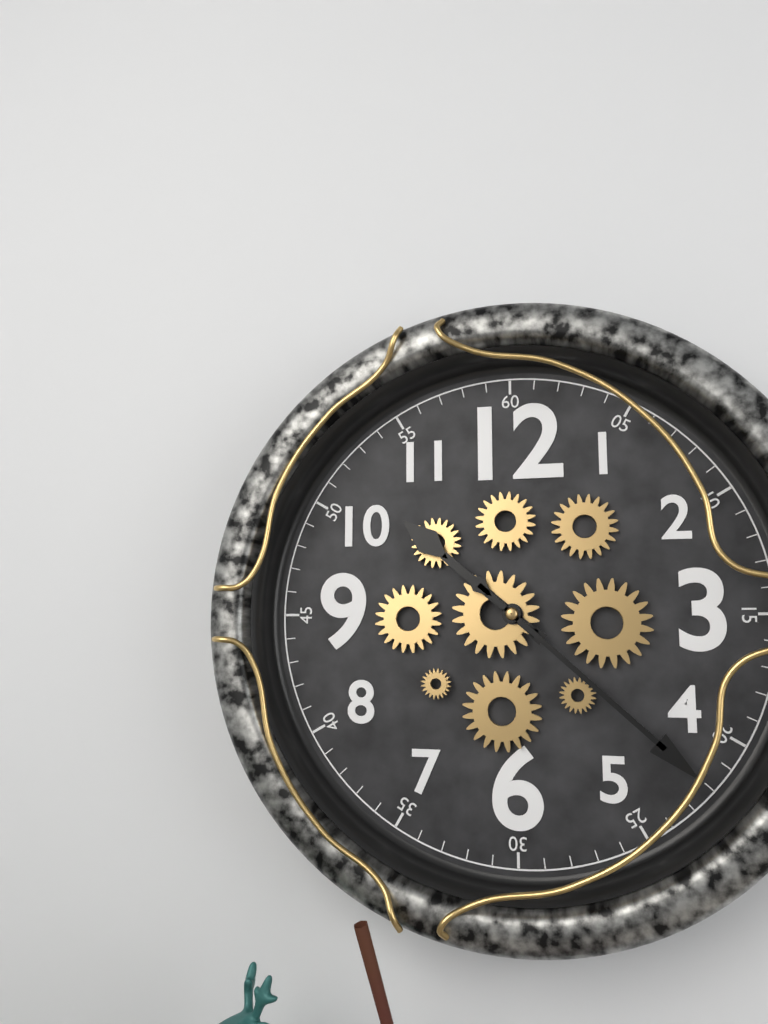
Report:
10,22
